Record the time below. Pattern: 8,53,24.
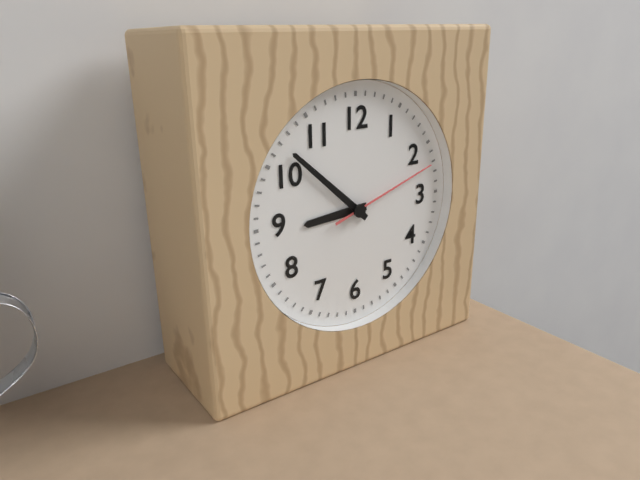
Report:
8,52,12
